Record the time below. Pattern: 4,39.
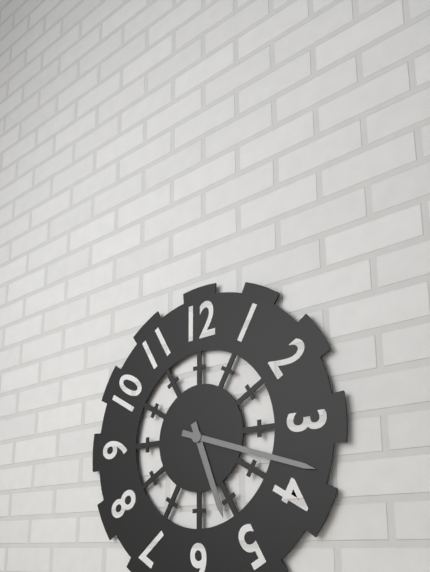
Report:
5,18
